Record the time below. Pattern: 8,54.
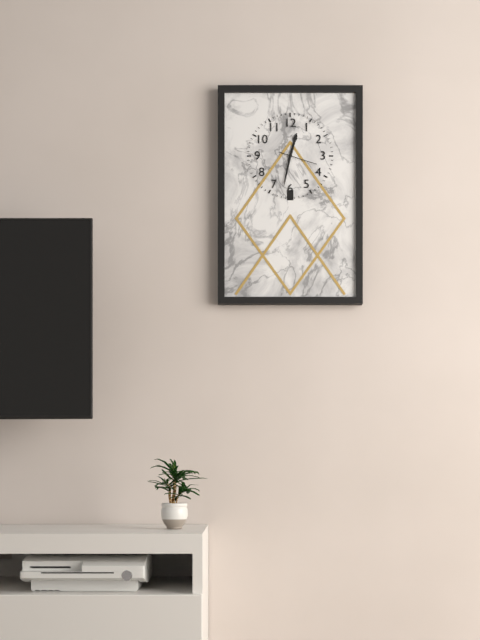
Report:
12,32
